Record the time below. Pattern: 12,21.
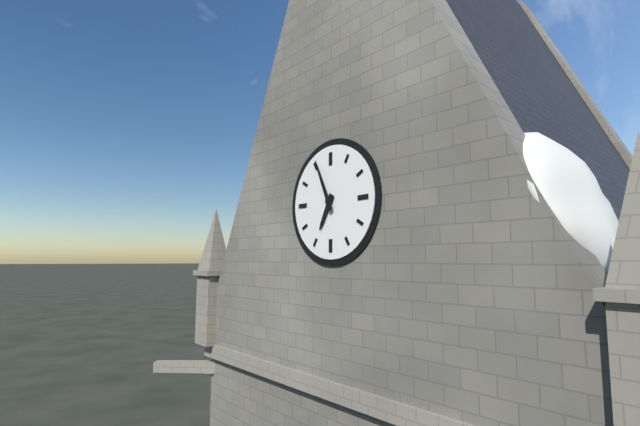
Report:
6,56
